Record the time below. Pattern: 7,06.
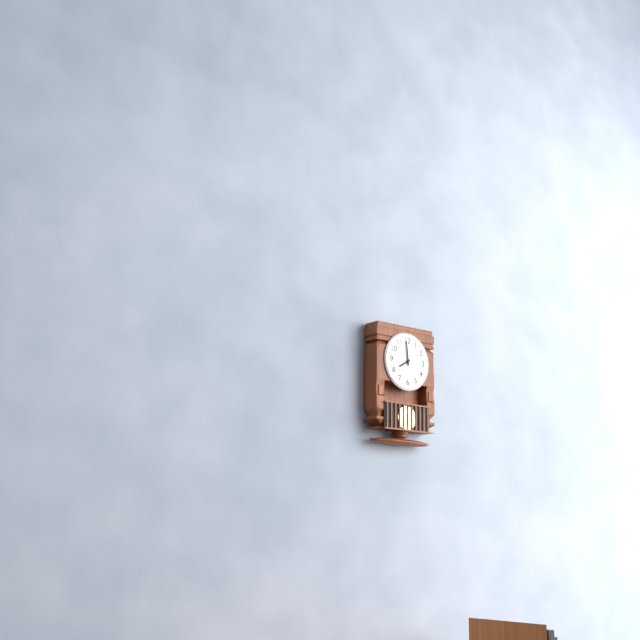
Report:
7,59
